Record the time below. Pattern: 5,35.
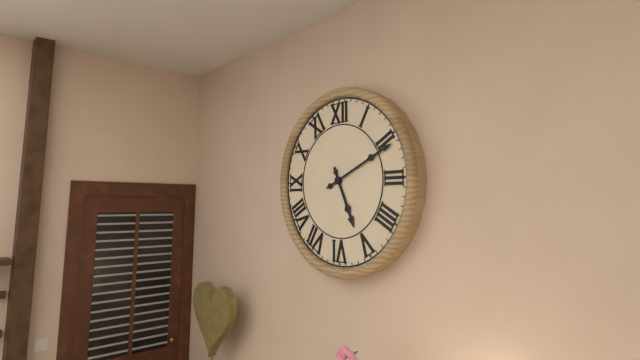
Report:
5,11
